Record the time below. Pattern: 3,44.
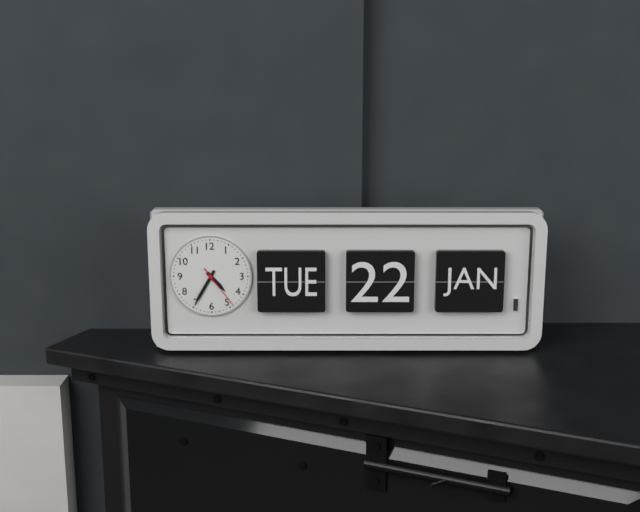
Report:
4,35
